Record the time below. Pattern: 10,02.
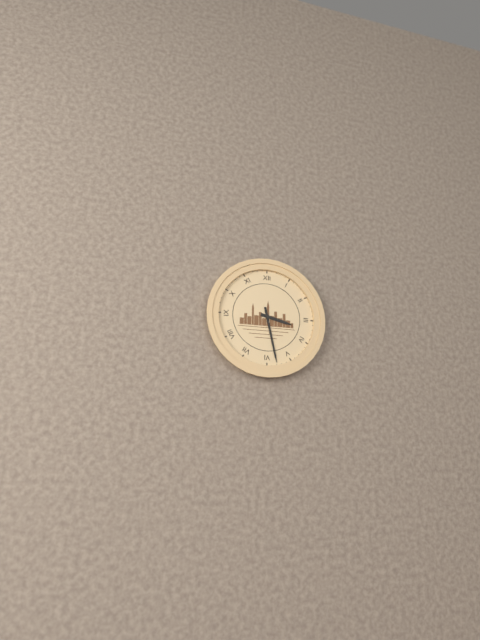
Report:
3,28
